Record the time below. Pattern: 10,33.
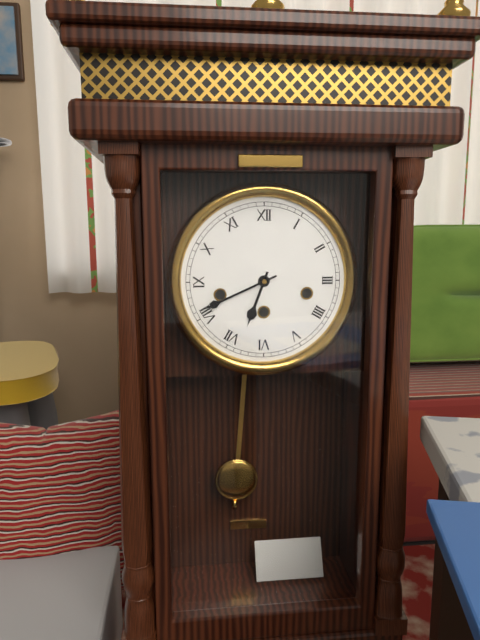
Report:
6,41
